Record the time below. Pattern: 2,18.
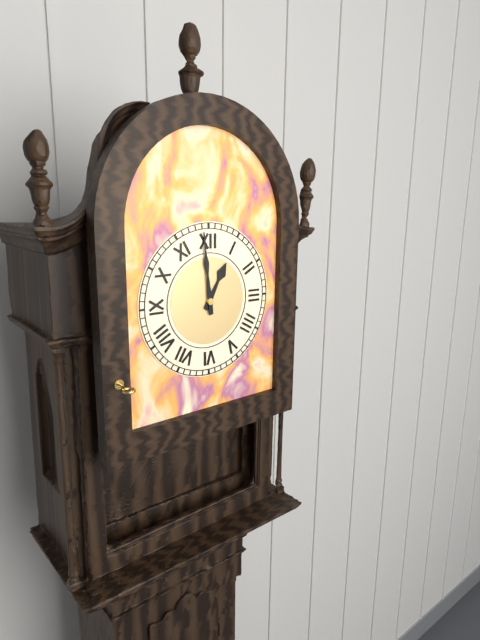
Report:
12,59
